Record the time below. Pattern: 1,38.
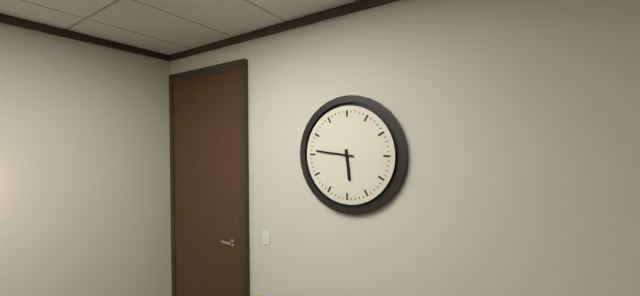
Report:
5,46
